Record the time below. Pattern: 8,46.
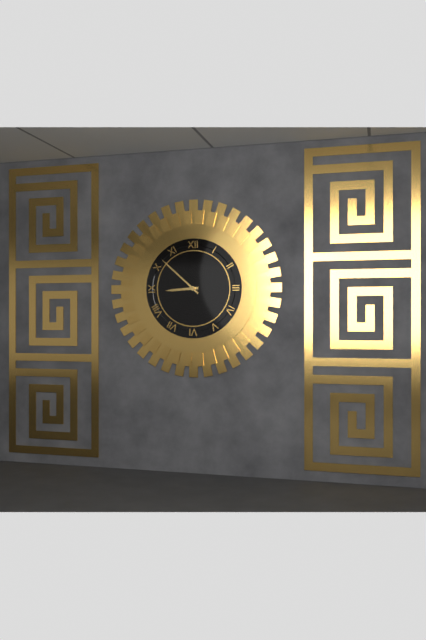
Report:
8,52
